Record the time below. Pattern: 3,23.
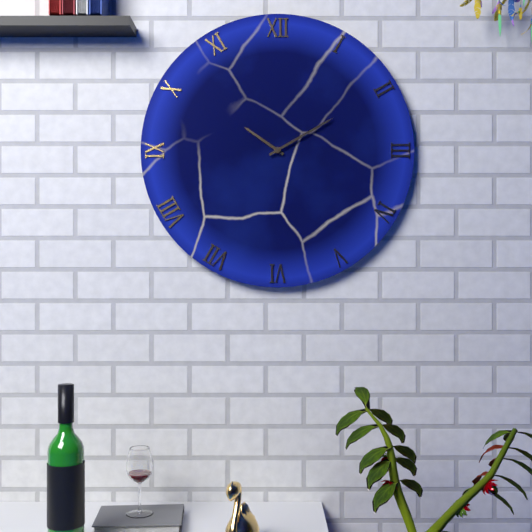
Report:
10,10
